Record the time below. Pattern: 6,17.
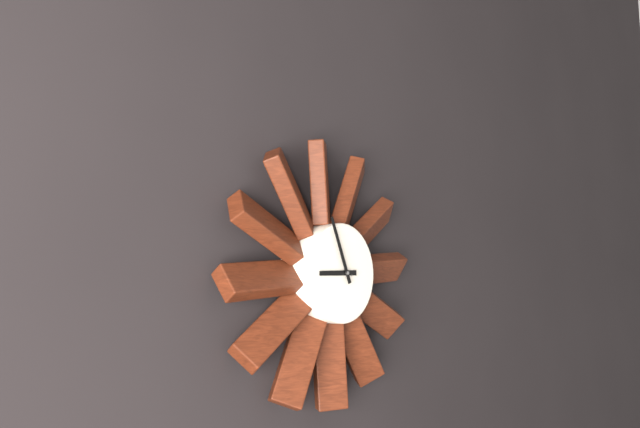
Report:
8,56
